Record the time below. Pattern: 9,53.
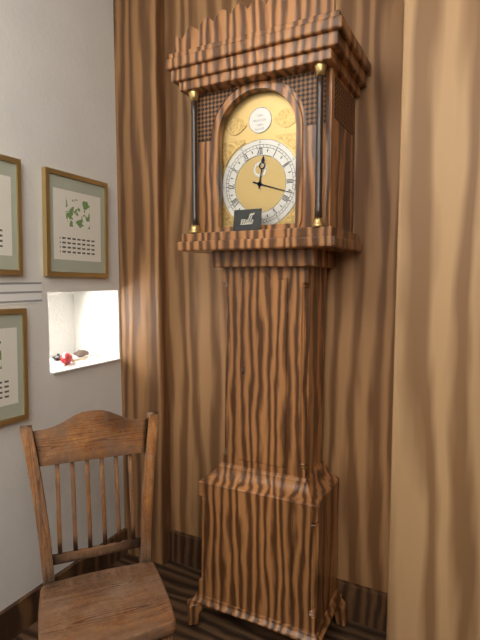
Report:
12,18
